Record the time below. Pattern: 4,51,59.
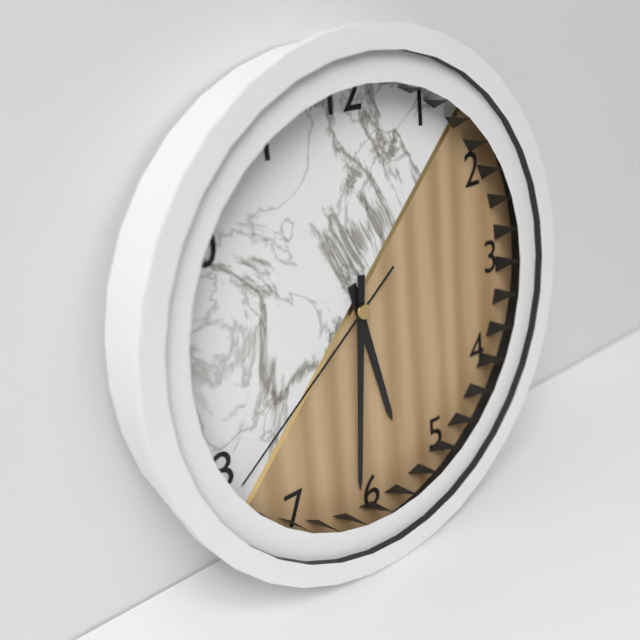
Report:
5,31,39
